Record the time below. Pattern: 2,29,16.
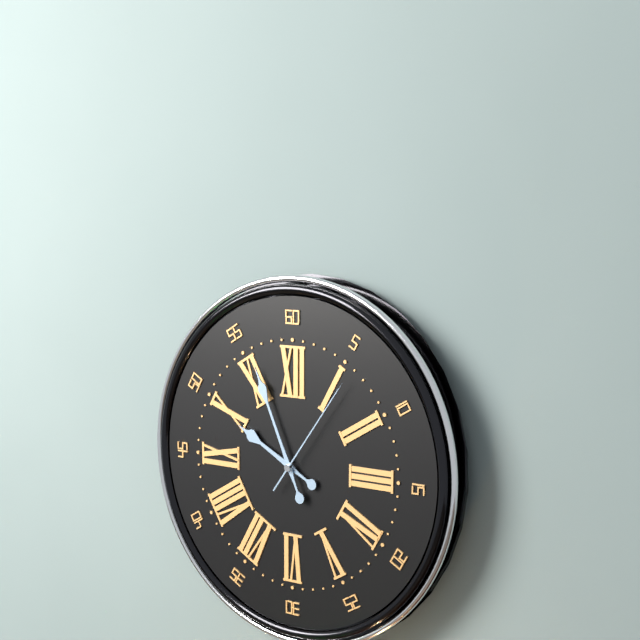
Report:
9,56,06
